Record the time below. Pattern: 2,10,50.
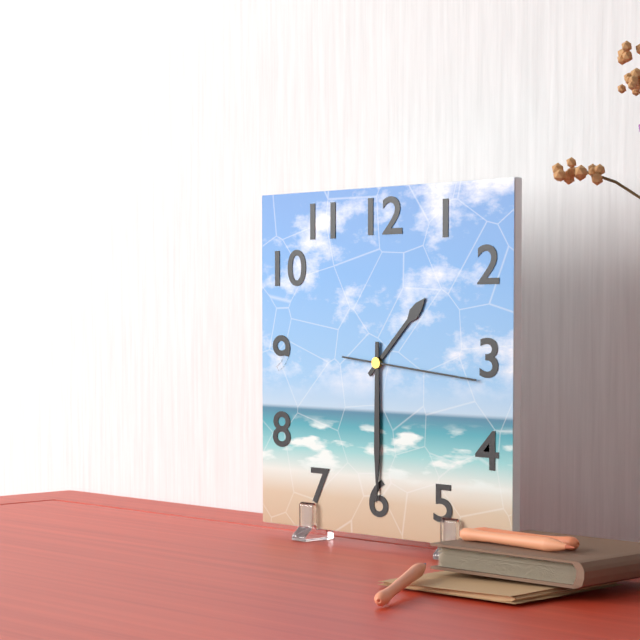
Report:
1,30,16
